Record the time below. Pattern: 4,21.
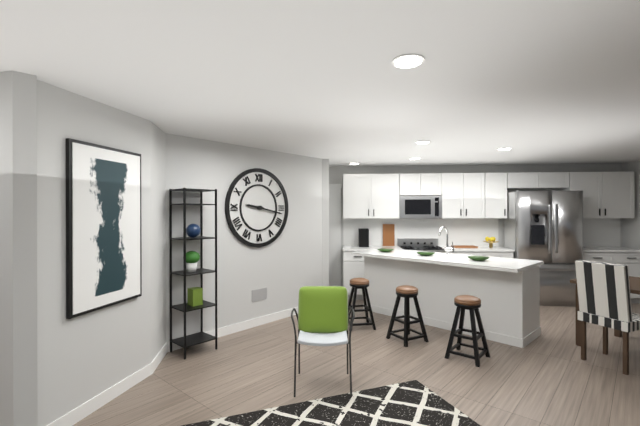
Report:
9,17
